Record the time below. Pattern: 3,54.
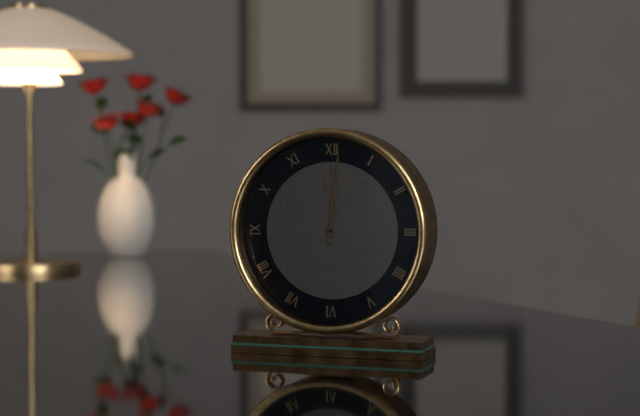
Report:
12,01
